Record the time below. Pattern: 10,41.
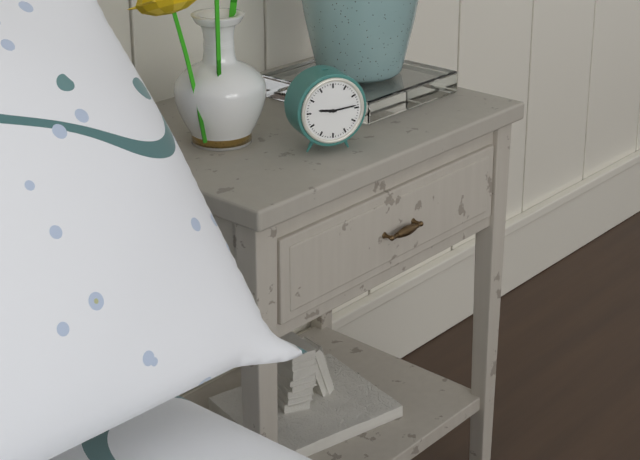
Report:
9,14
